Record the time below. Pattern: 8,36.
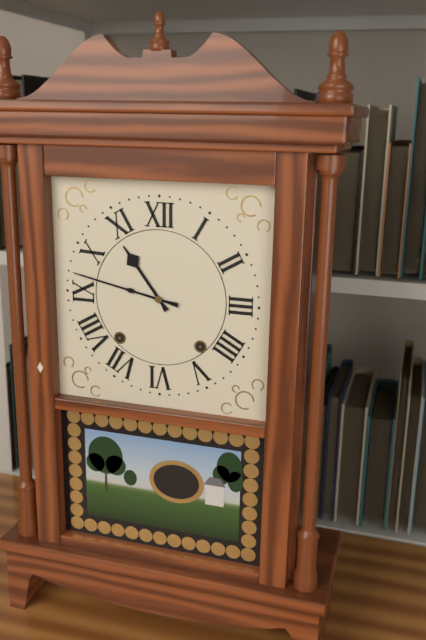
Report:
10,47
